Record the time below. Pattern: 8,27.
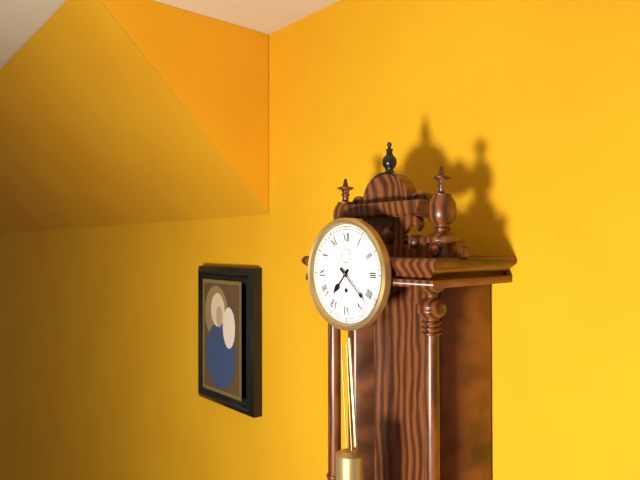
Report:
7,22
